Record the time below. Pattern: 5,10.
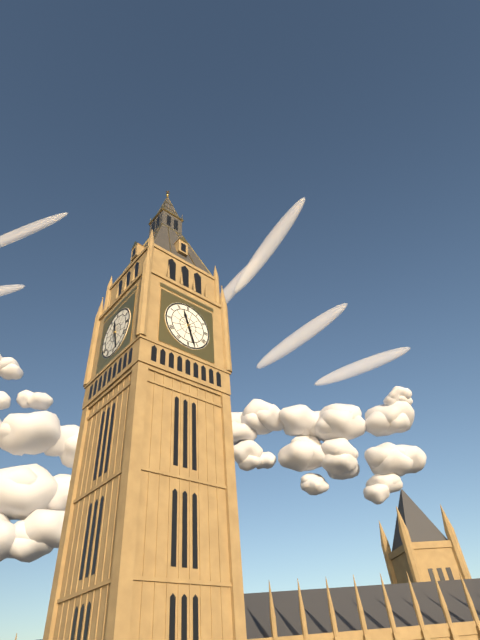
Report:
11,27
